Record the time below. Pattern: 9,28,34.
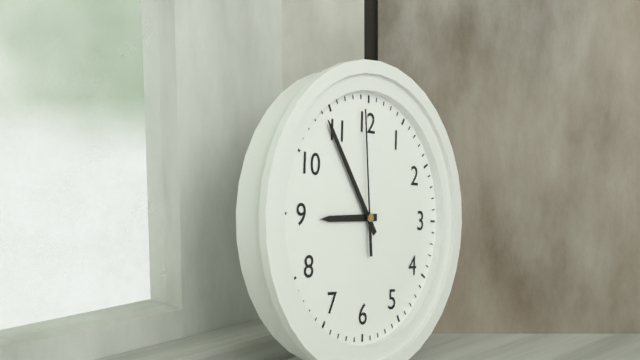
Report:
8,54,59
